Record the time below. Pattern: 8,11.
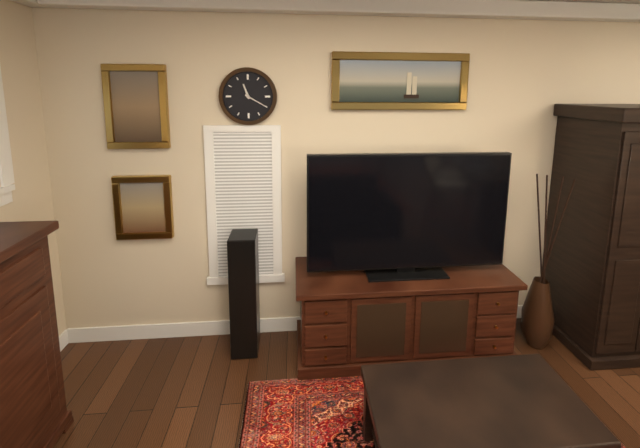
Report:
11,20
